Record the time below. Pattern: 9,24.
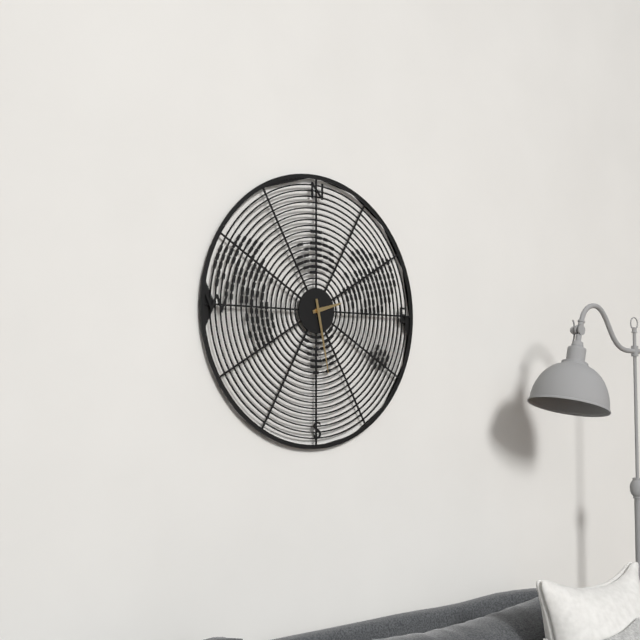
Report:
2,28
